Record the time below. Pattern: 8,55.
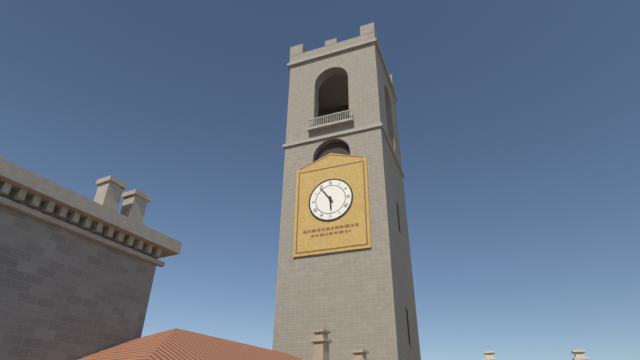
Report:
5,54
